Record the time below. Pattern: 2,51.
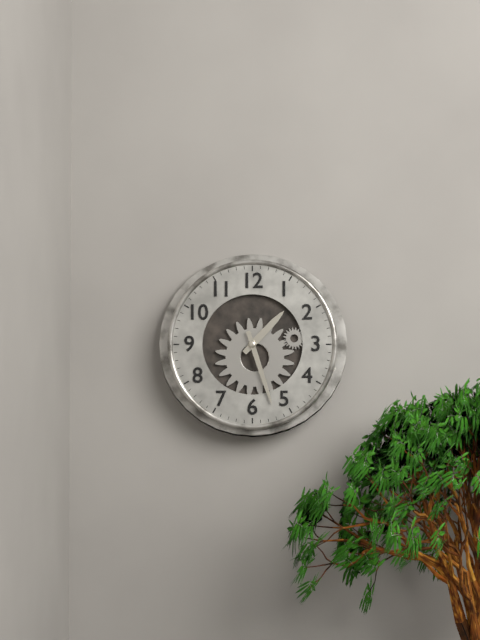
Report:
1,27
